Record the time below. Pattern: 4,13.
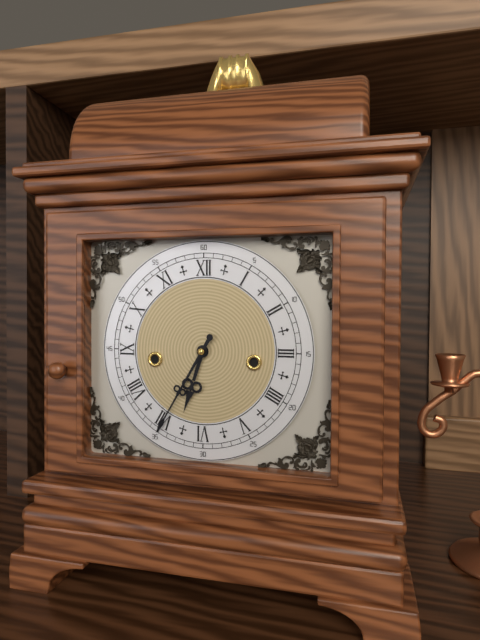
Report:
6,35
